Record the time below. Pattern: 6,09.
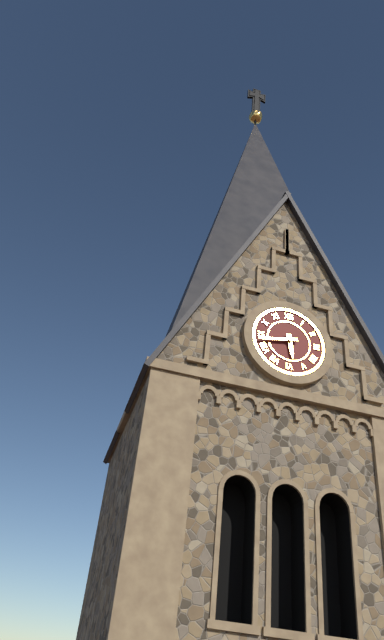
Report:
5,43
